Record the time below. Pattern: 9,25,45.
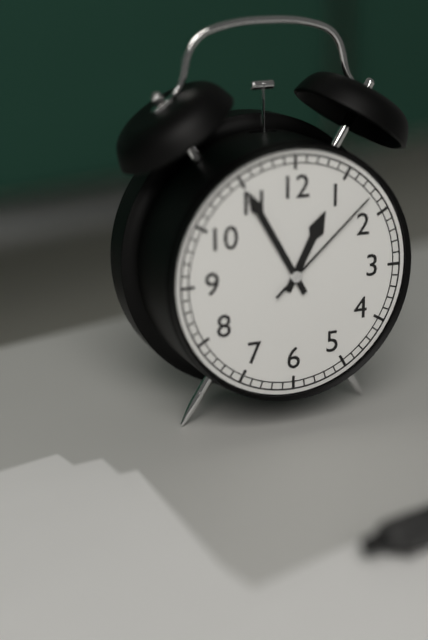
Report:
12,55,08
